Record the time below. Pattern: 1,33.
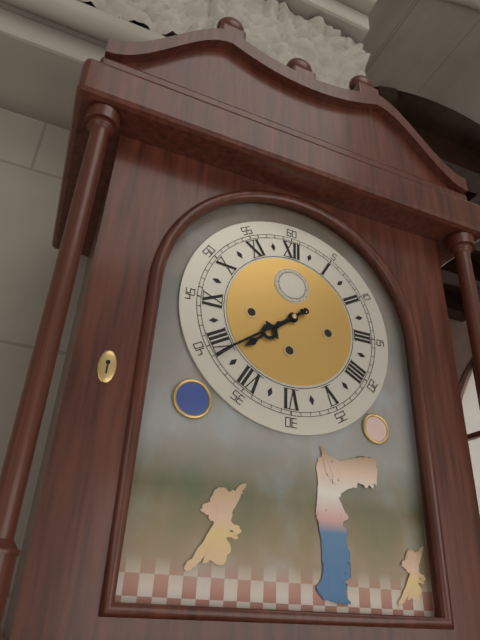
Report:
7,39
